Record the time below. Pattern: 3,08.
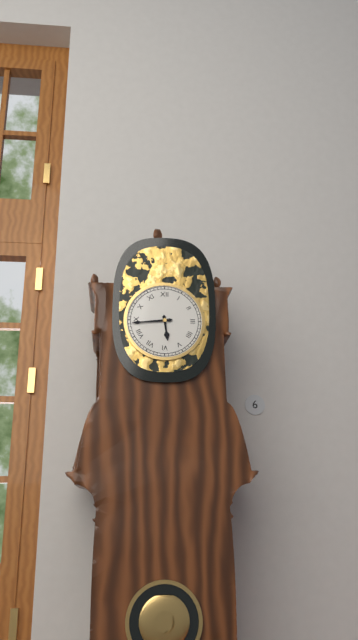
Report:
5,44
